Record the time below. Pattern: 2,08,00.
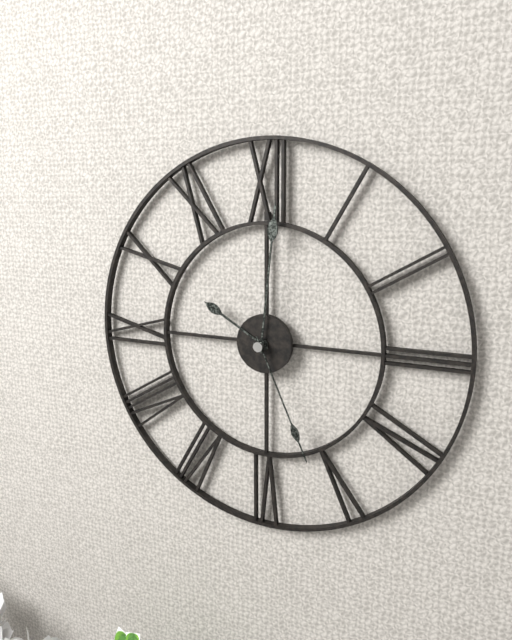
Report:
10,01,26
